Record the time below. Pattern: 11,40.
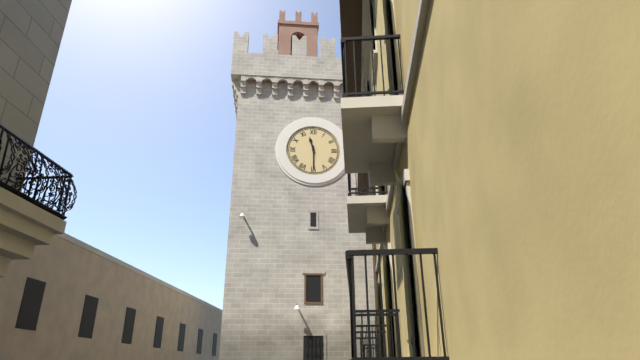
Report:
11,30
